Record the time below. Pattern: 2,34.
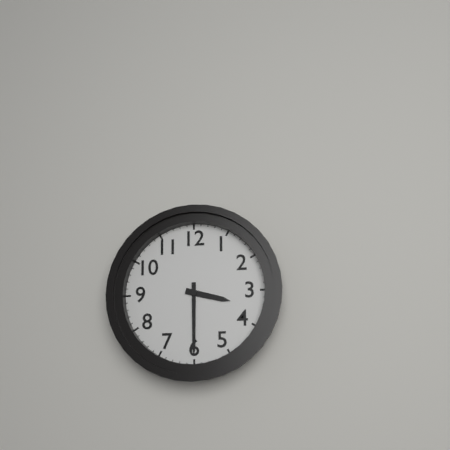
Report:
3,30
